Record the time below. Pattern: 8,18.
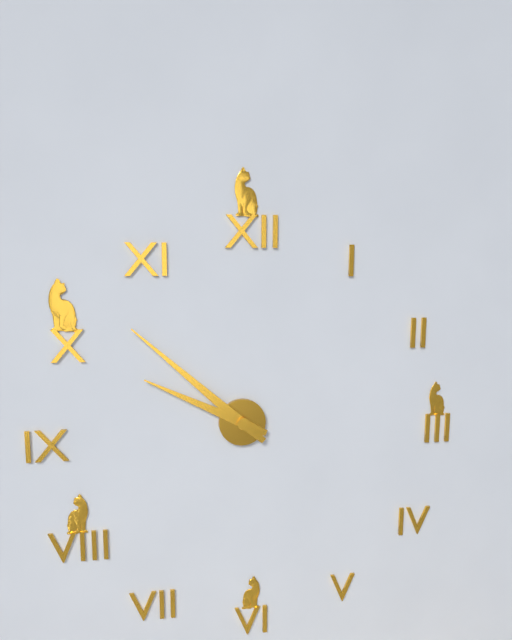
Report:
9,52
